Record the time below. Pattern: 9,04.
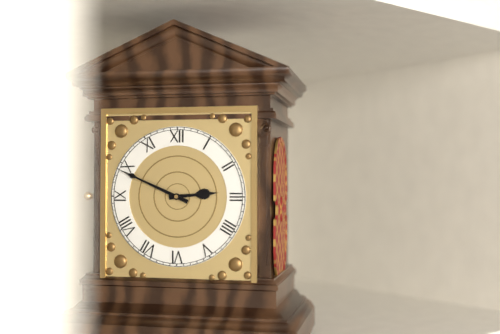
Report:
2,49
